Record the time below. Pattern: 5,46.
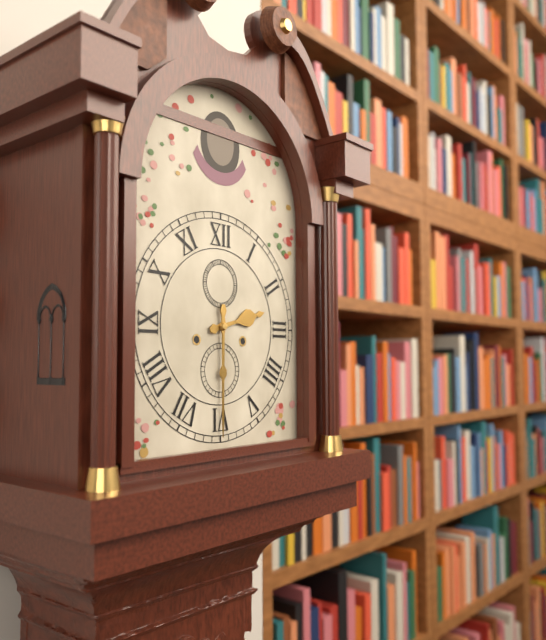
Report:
2,30
